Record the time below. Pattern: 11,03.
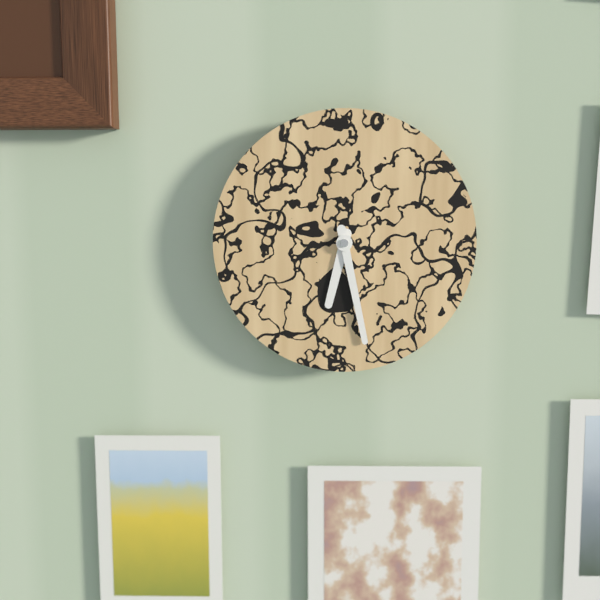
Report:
6,28
